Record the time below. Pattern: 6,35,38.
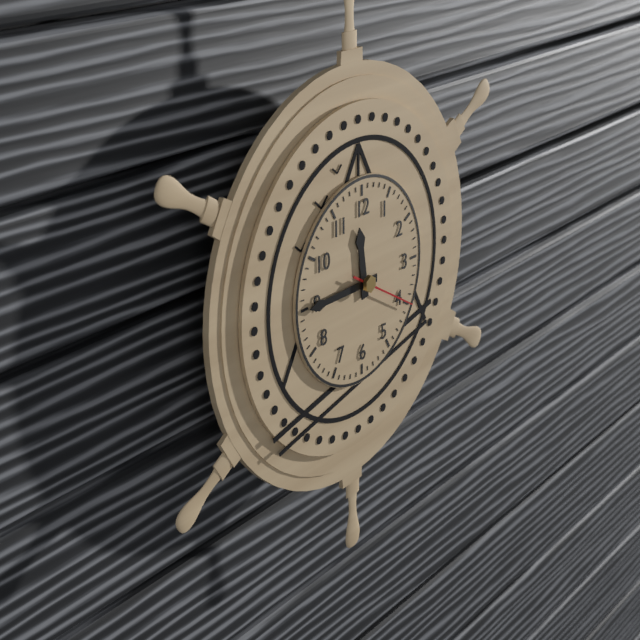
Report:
11,45,20
